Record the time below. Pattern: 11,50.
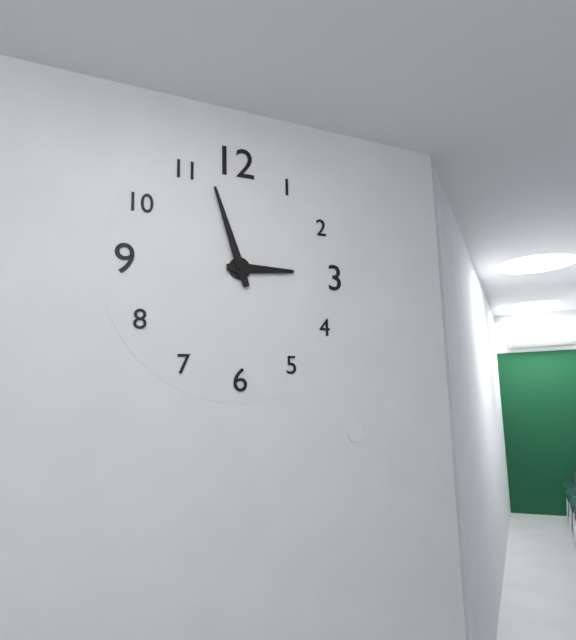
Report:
2,57
